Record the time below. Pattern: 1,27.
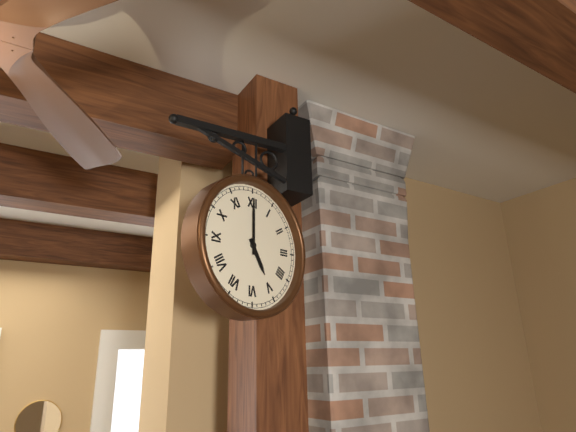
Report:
5,00
